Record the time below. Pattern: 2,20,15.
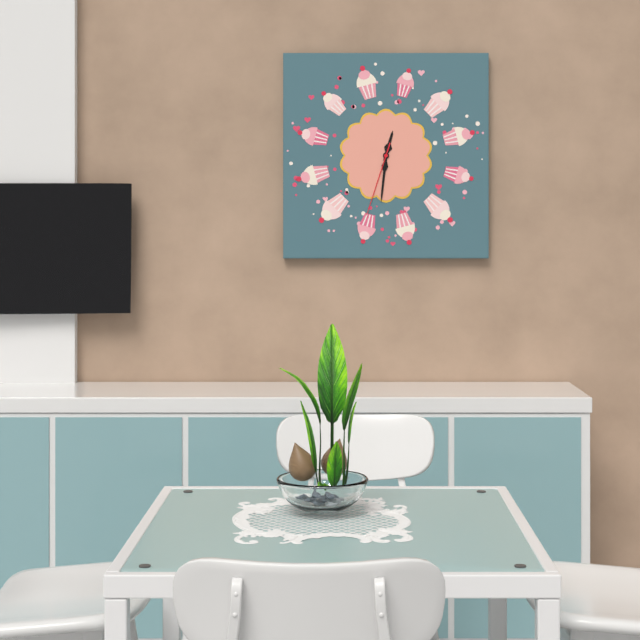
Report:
12,31,33
